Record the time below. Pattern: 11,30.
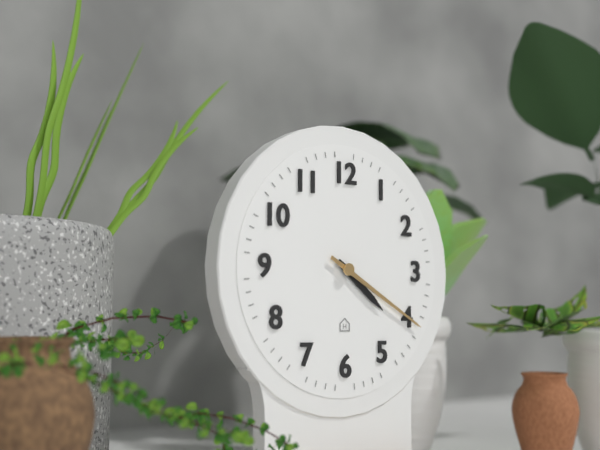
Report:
4,20
